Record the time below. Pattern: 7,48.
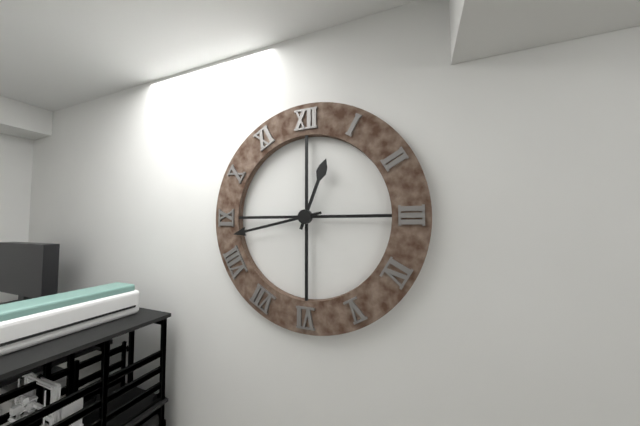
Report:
12,43
